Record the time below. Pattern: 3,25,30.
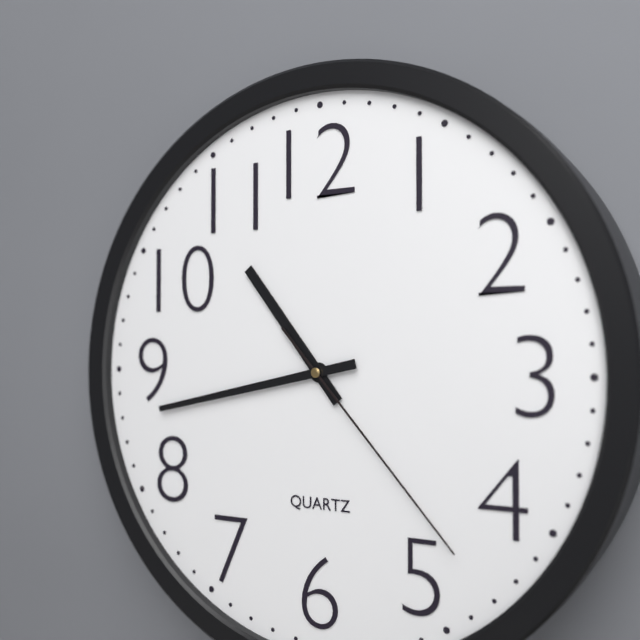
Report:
10,43,23
